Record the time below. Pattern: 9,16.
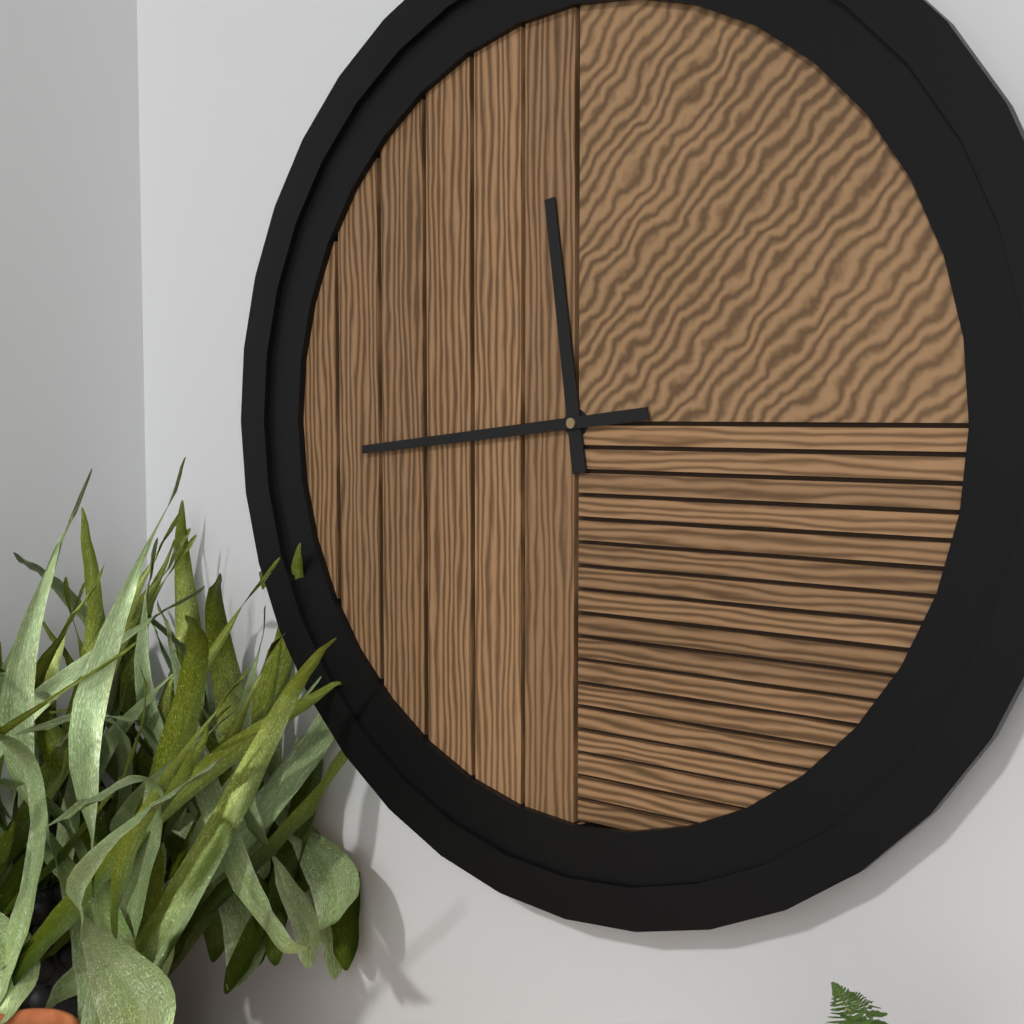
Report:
11,44
